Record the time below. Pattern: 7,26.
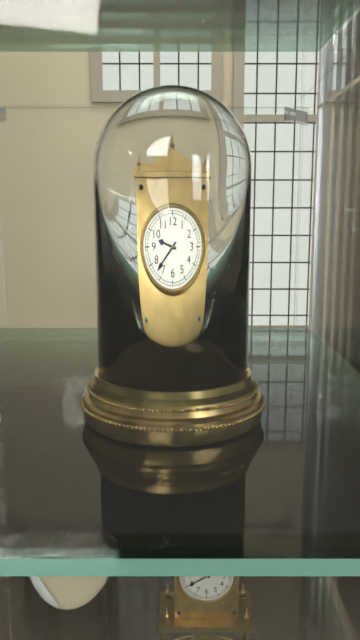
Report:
9,37
